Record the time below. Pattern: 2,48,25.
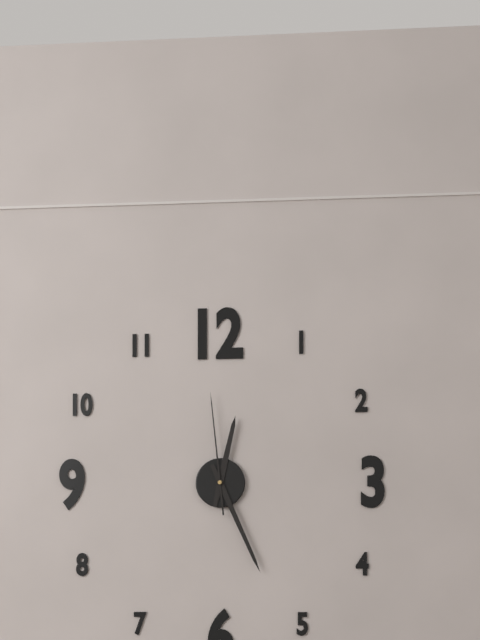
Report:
12,26,59
